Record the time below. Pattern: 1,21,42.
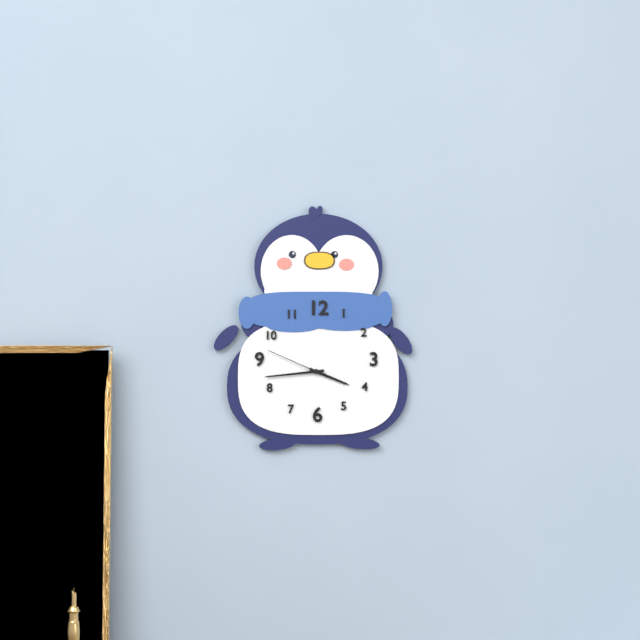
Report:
3,44,49
